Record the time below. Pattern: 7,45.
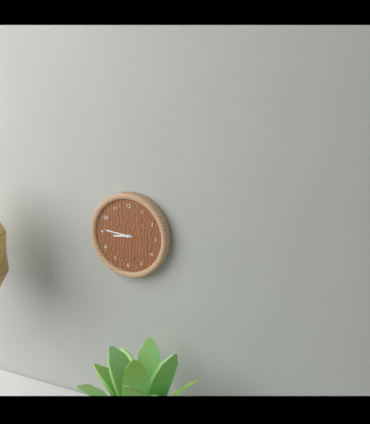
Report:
8,46
